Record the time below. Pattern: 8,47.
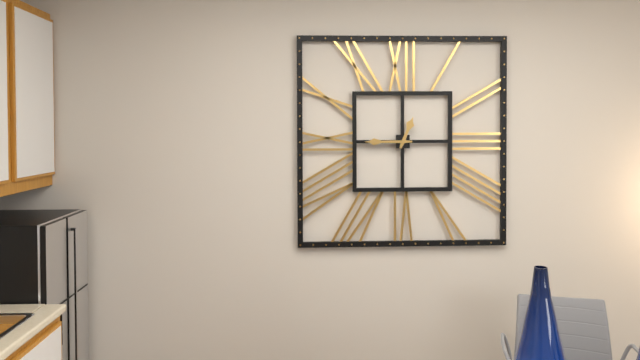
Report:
12,45
